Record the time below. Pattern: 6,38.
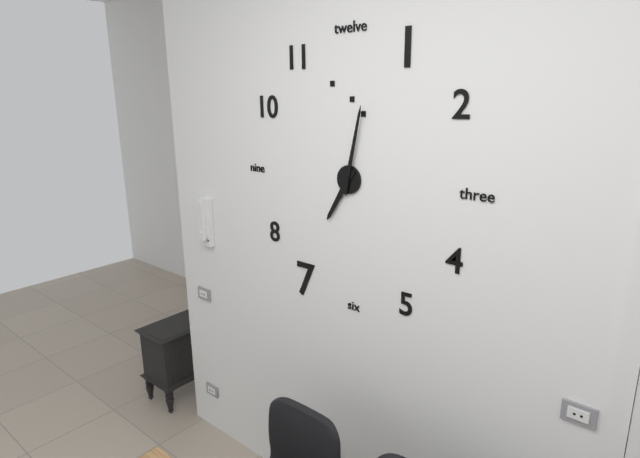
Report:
7,02
